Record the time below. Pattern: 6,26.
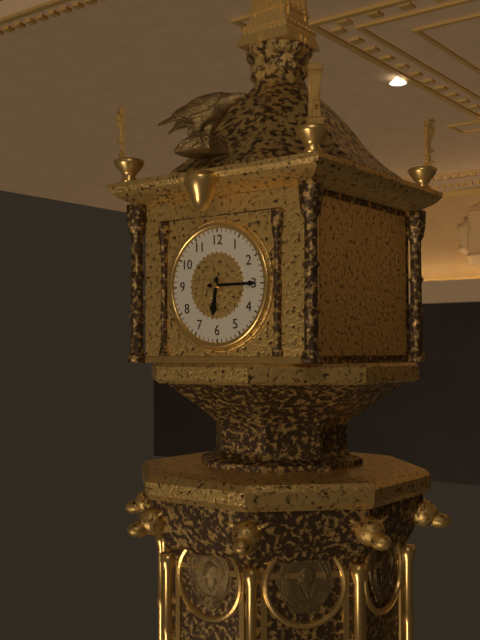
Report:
6,15
